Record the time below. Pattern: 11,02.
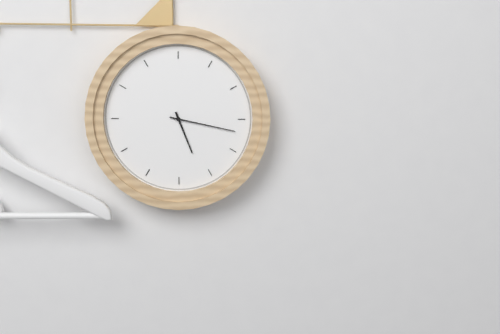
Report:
5,17
